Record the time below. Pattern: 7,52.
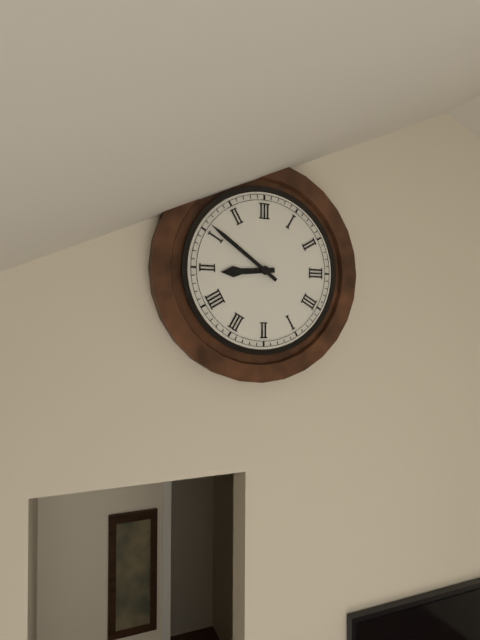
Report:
8,51
